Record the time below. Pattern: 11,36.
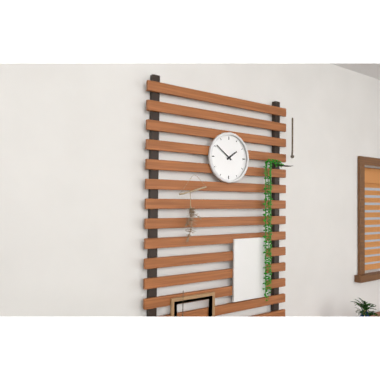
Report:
1,51
